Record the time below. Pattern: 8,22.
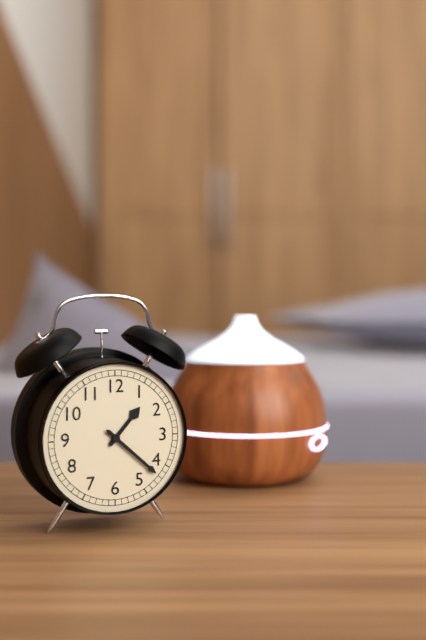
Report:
1,22
